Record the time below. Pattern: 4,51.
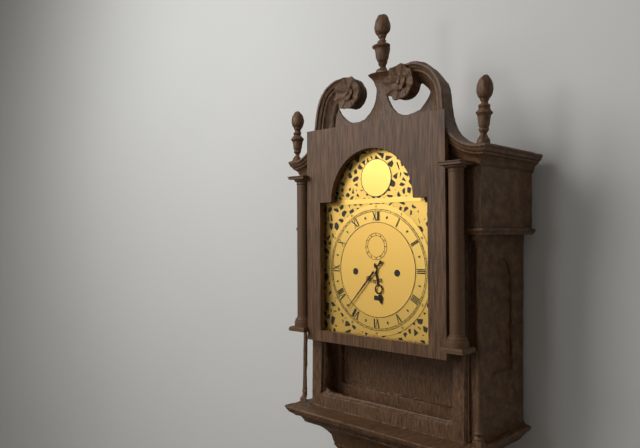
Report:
5,37
